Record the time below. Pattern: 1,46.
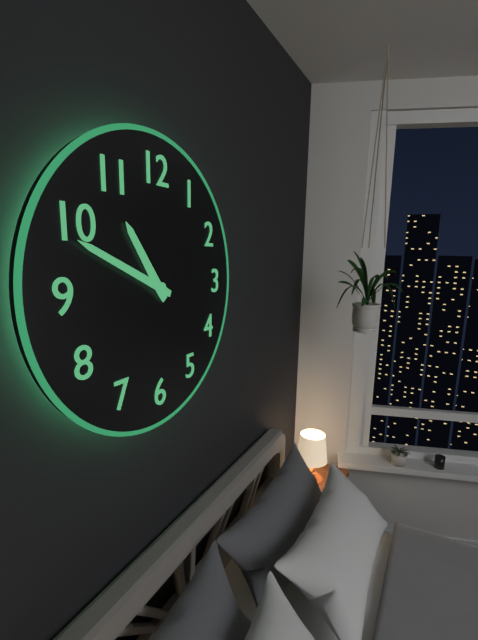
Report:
10,49
